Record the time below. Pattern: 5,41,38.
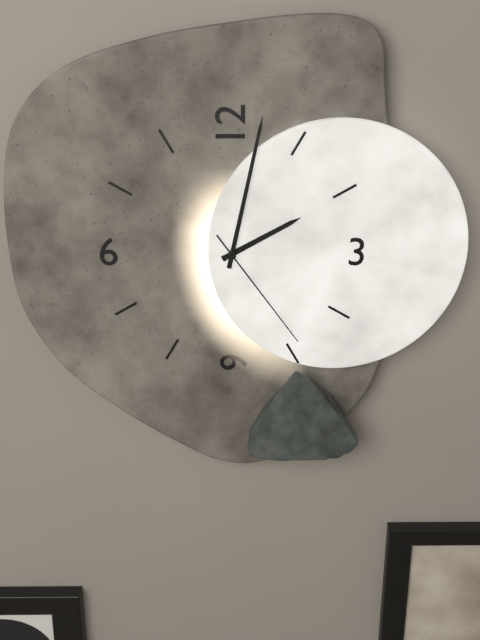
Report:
2,02,24
